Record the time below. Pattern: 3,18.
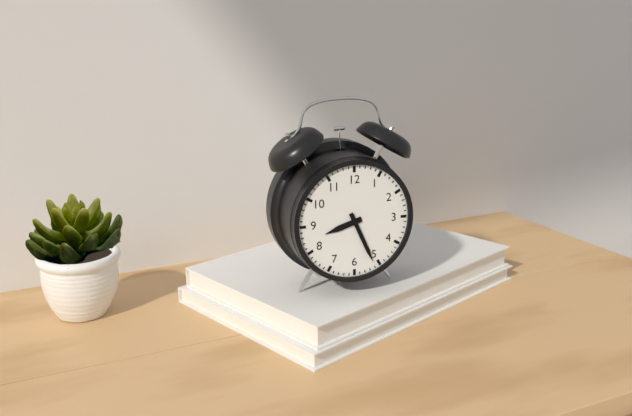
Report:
8,26
